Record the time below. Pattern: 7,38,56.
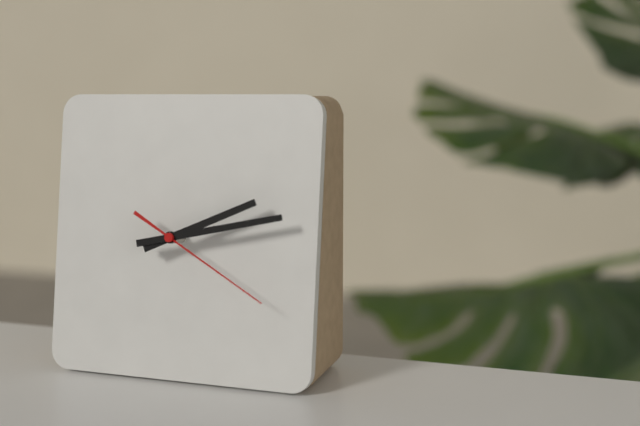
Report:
2,13,20
